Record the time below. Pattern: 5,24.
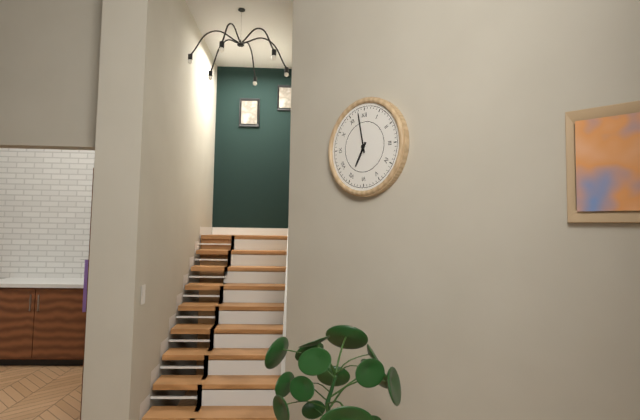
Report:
6,58
